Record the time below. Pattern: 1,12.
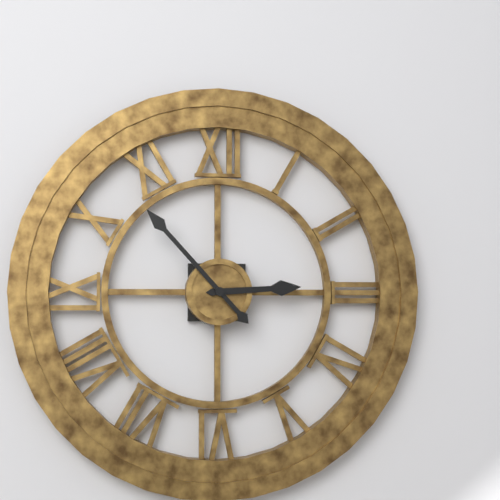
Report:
2,53
